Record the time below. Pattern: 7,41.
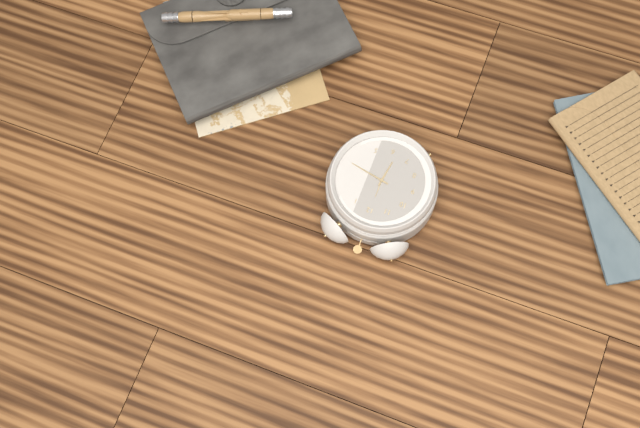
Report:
6,17
